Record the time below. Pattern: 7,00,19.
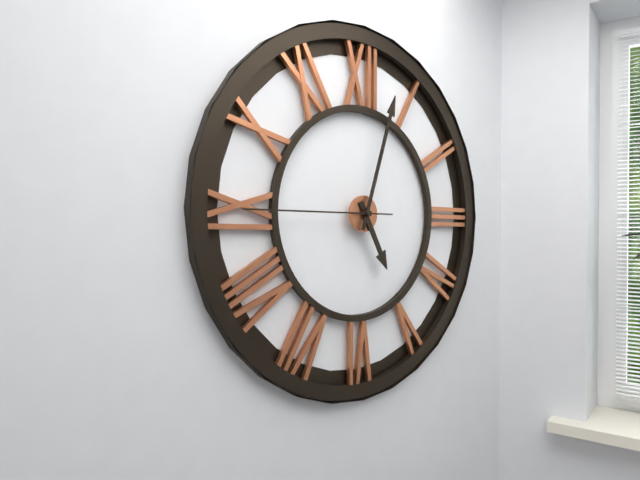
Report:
5,03,45
